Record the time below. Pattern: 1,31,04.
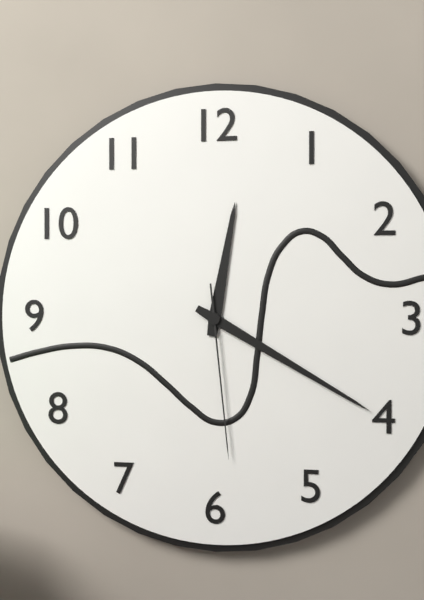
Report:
12,20,29
